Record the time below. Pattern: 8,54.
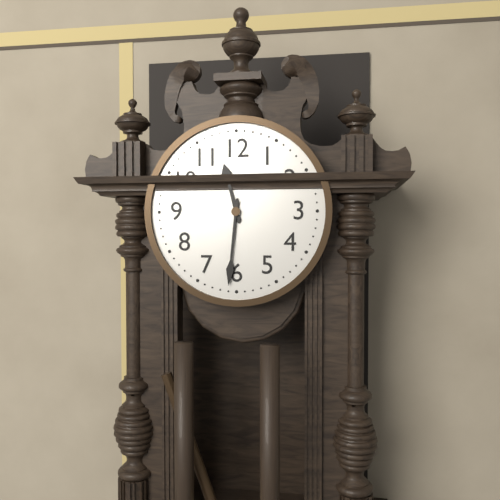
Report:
11,31
